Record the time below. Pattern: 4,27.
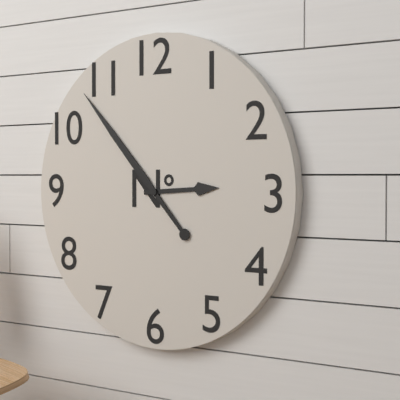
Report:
2,53
